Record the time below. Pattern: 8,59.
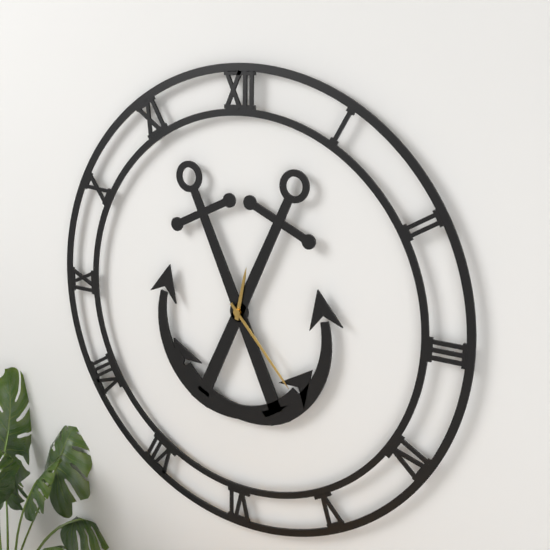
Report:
12,23
